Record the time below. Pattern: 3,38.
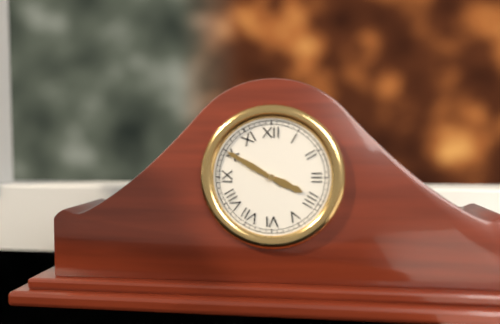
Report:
3,50
